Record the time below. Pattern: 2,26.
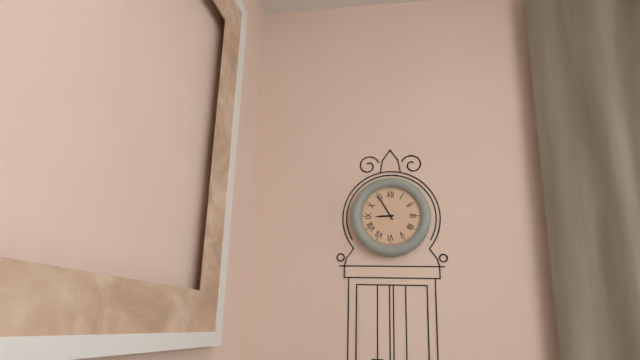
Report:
8,55
